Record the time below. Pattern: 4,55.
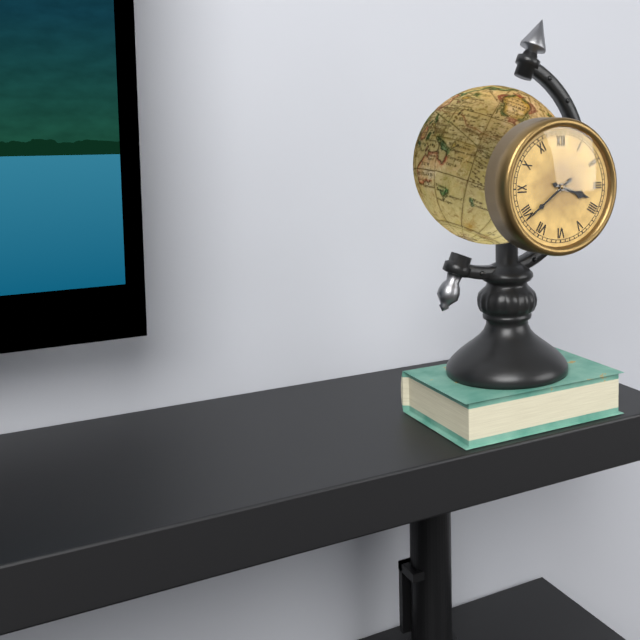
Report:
3,39
